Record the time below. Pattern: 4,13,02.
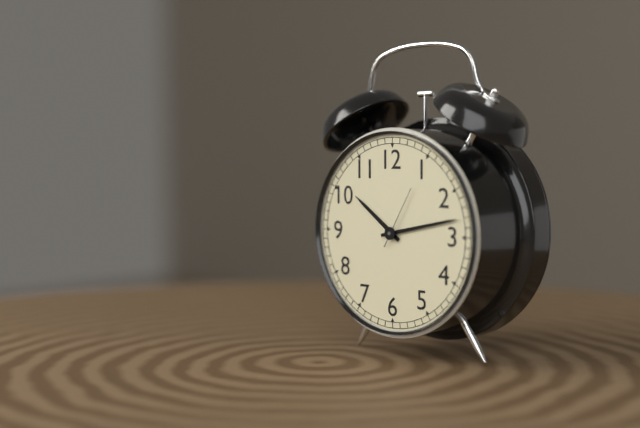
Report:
10,13,05
